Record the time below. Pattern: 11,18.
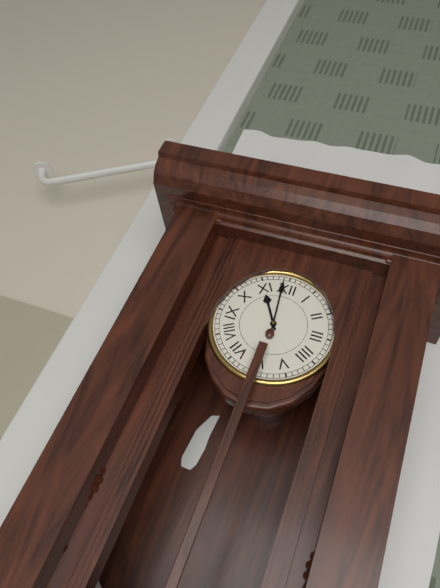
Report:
10,59
